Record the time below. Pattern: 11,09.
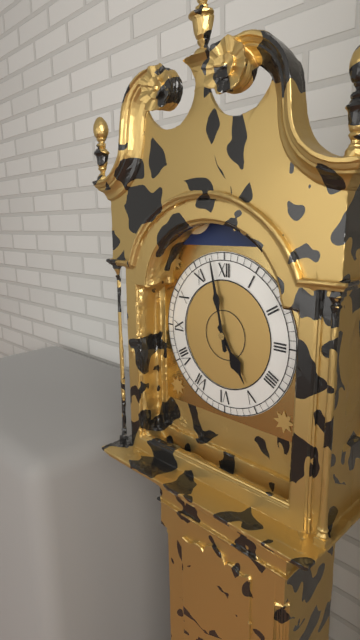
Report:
4,58
